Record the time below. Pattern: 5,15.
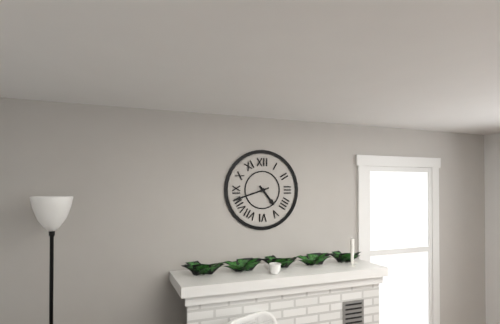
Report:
4,42
